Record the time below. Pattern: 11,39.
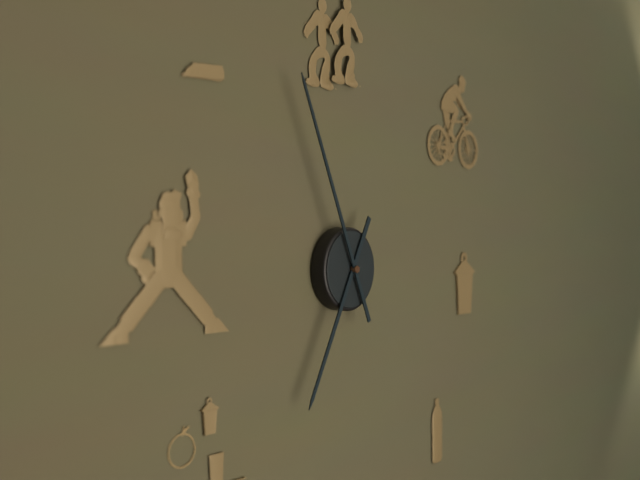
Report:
6,56
